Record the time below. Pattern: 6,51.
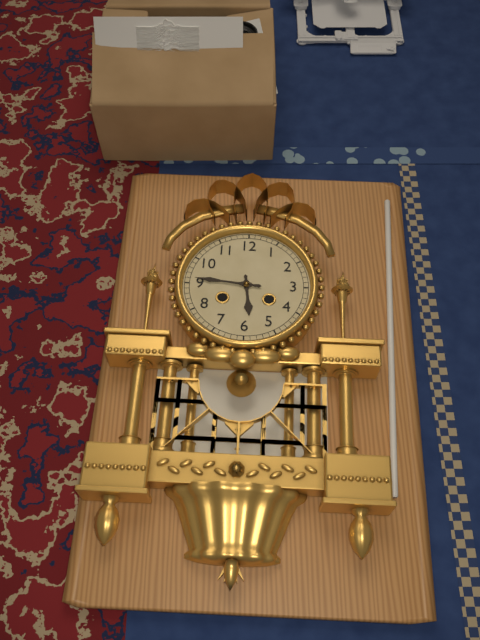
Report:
5,46
